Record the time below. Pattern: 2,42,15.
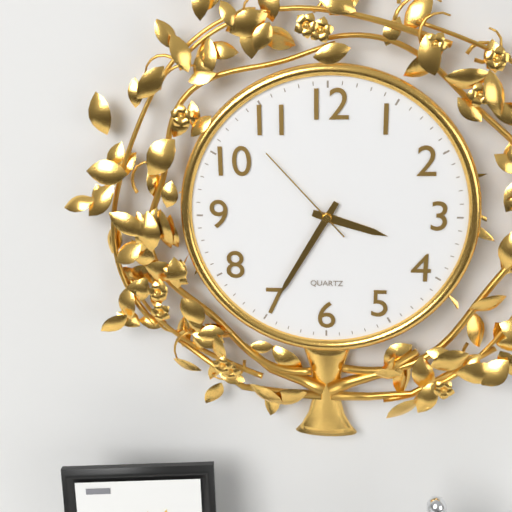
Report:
3,35,53
